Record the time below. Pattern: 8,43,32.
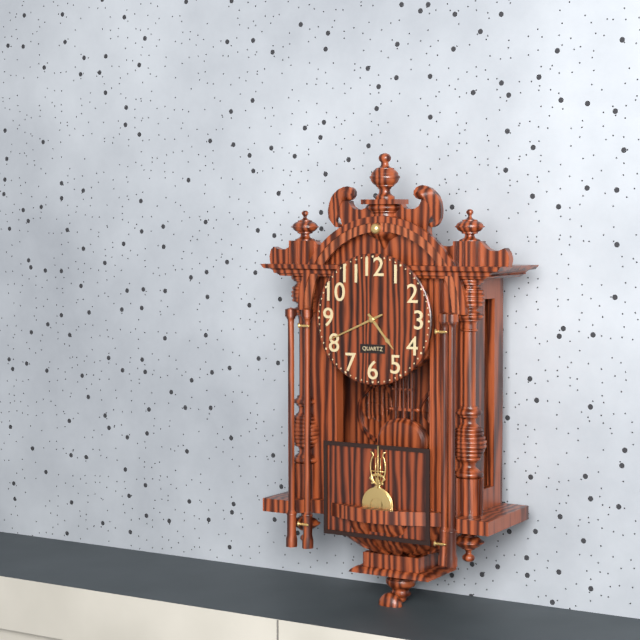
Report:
4,41,41
